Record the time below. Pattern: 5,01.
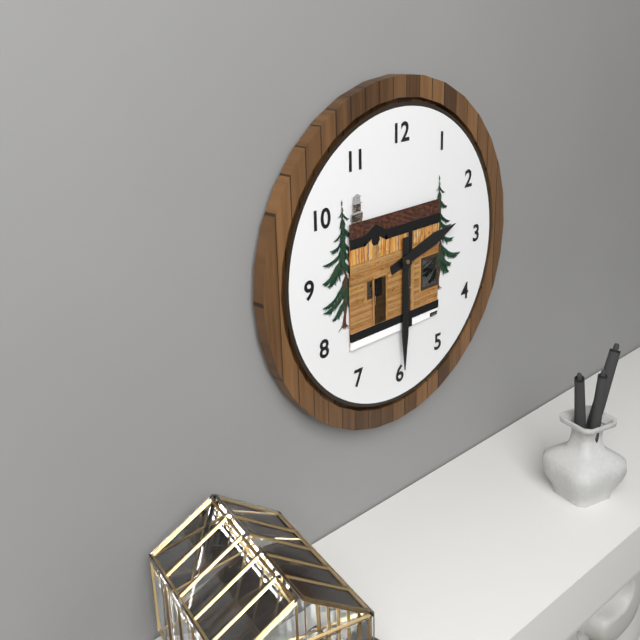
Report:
2,30
